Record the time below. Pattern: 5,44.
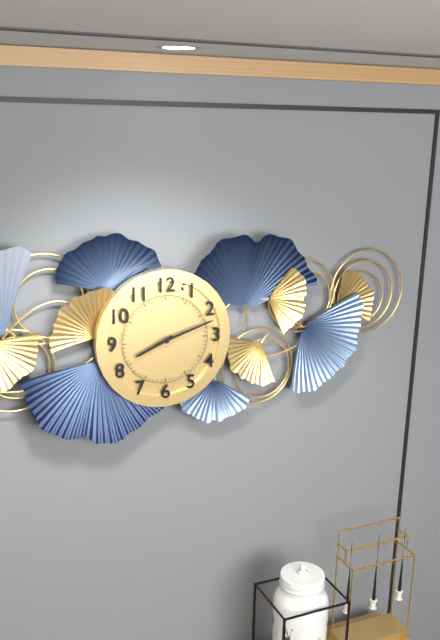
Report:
8,12
